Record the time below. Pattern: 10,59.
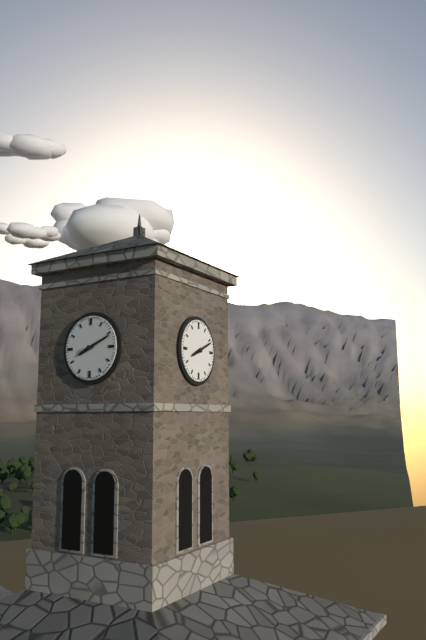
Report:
8,11
